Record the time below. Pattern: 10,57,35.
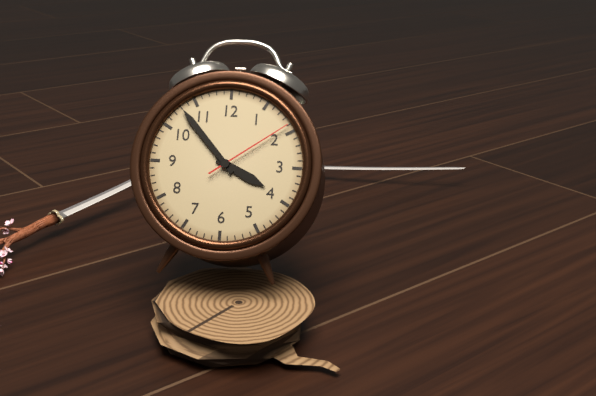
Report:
3,53,09
